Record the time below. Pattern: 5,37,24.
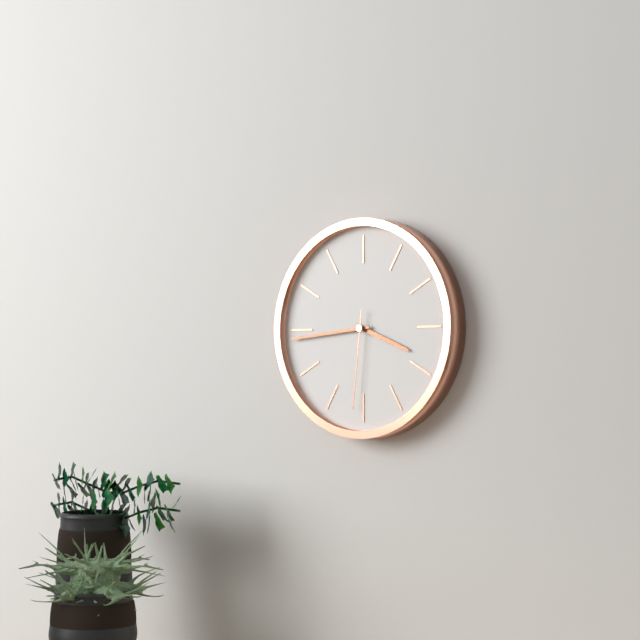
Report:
3,44,31
